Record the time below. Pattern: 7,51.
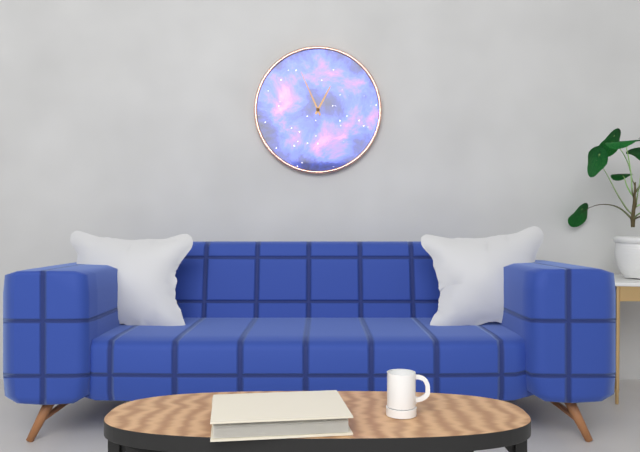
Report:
12,56
